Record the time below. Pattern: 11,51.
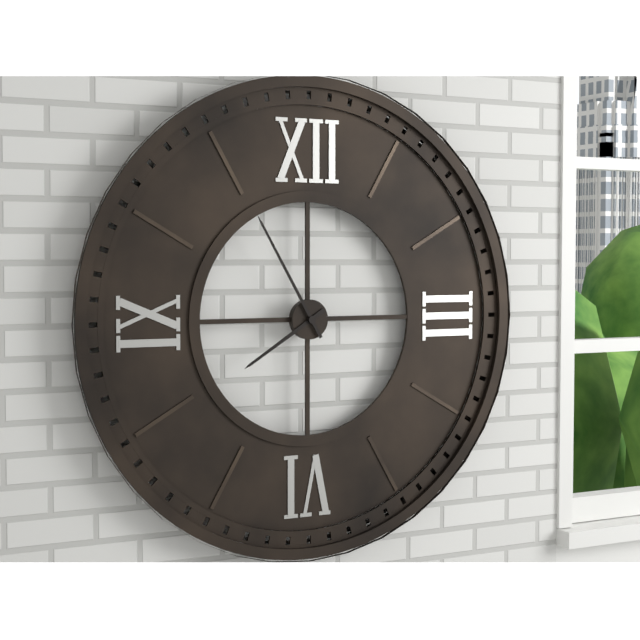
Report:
7,55
